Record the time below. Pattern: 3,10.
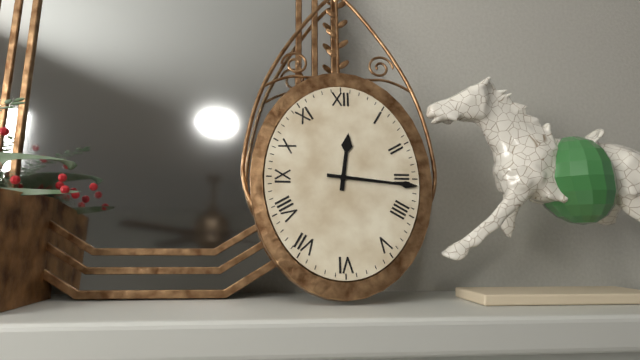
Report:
12,16
